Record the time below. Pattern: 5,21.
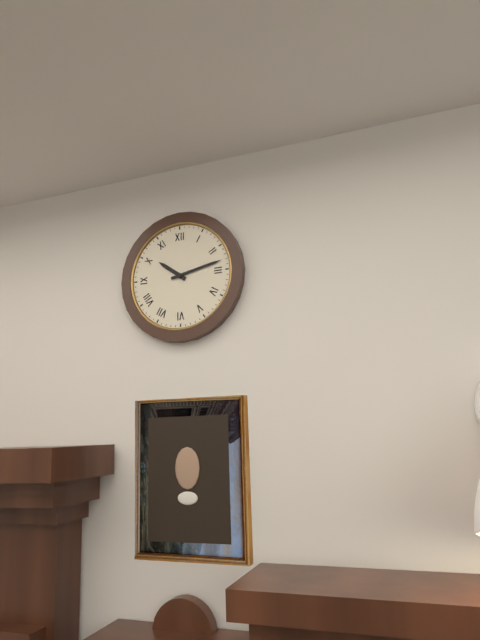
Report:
10,13
